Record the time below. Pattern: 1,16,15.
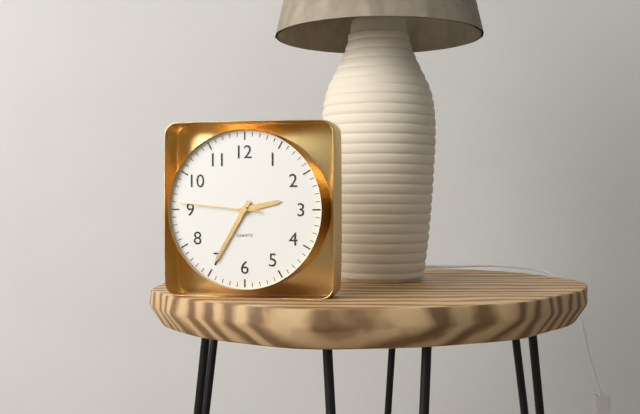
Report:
2,35,46
